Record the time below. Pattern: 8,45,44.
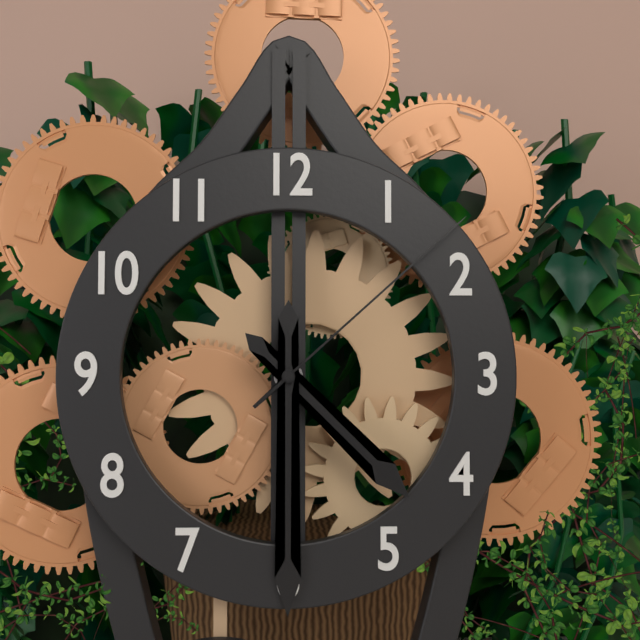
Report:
4,30,08
